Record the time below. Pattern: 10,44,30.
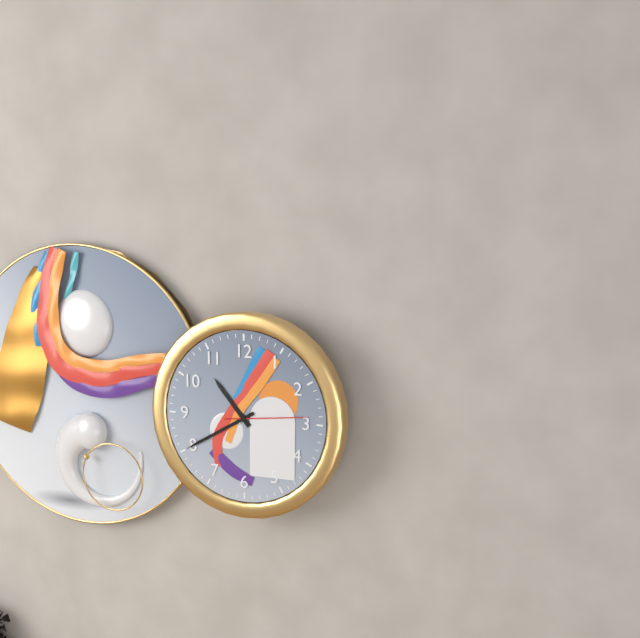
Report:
10,40,14
